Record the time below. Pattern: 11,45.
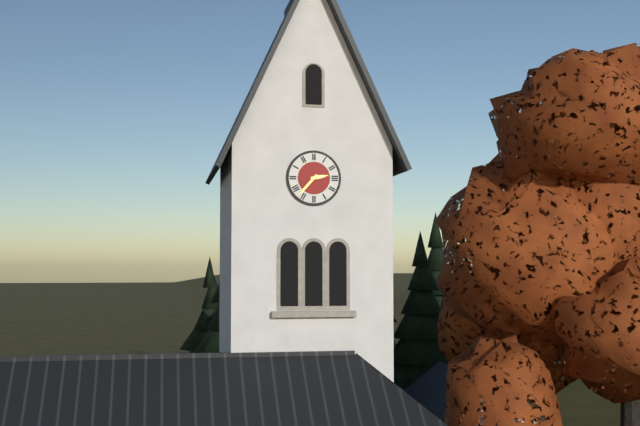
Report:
2,37
